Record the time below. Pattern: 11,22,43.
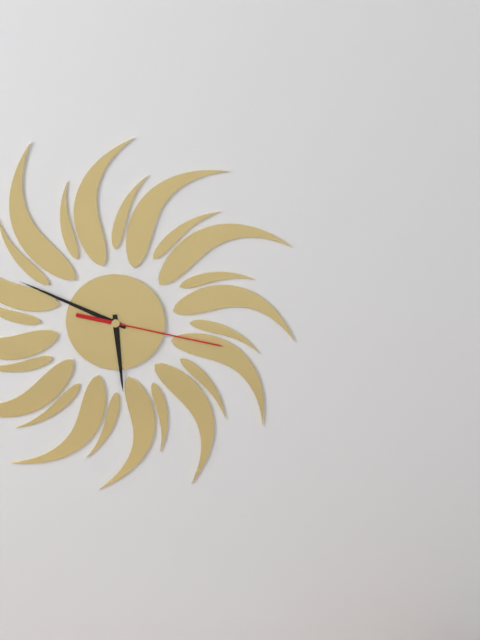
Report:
5,49,17
